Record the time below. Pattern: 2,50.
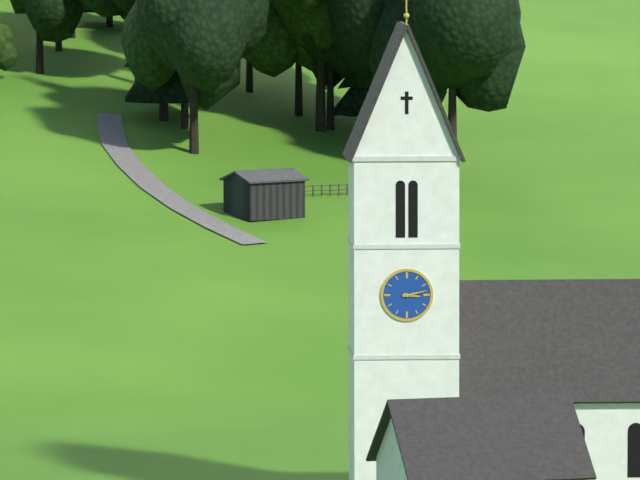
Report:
3,13
